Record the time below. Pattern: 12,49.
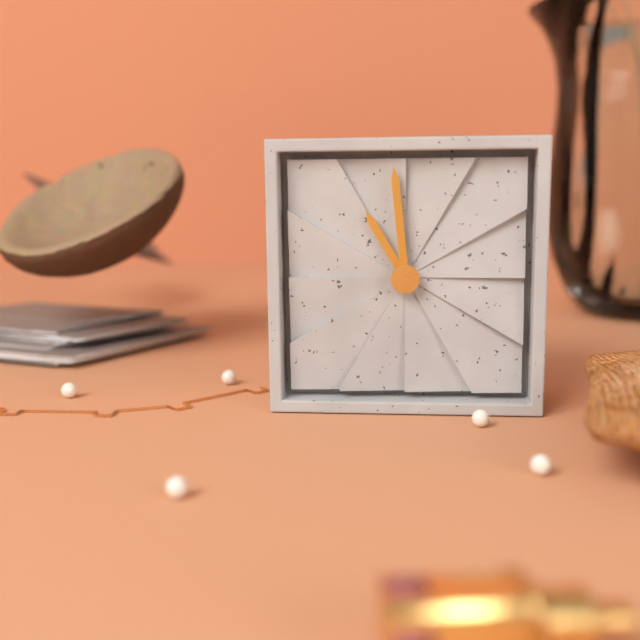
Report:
10,59
